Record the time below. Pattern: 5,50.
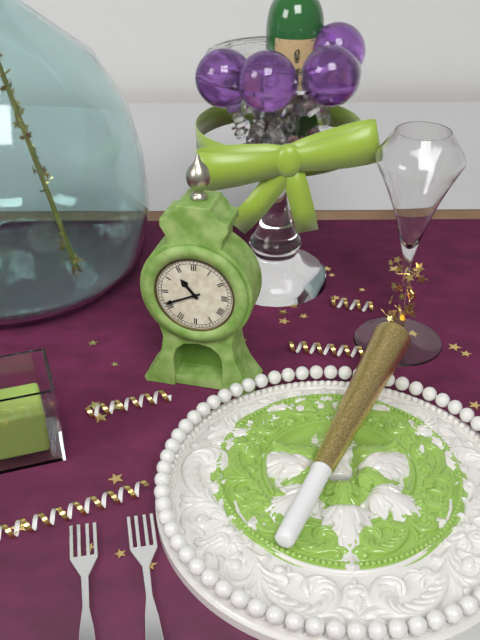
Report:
10,41
